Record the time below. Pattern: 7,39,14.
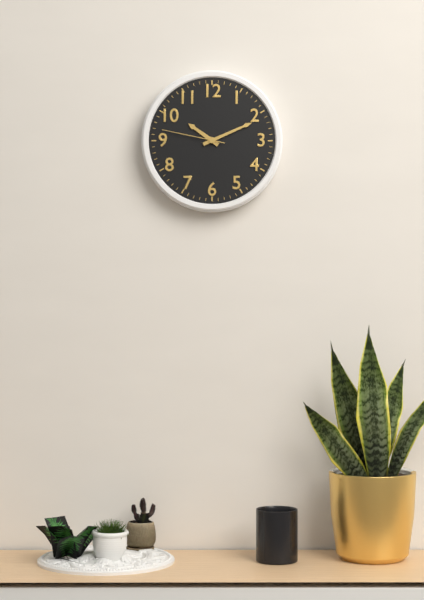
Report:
10,11,47
